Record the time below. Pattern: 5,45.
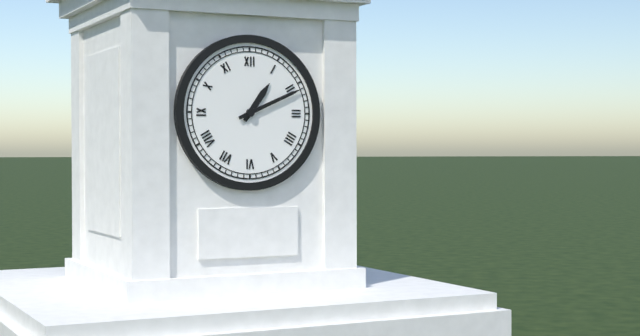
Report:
1,11
